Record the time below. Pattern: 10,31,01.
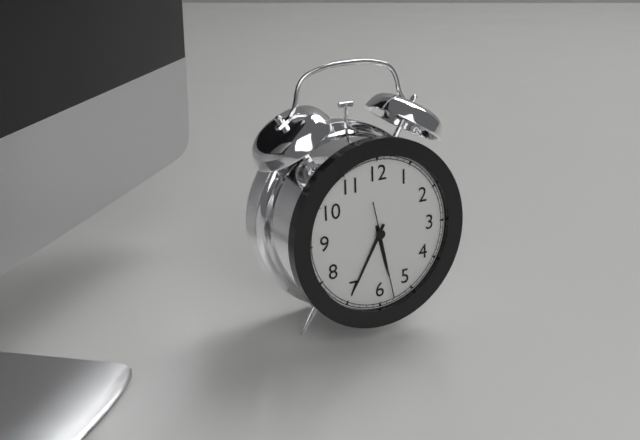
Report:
5,35,28
